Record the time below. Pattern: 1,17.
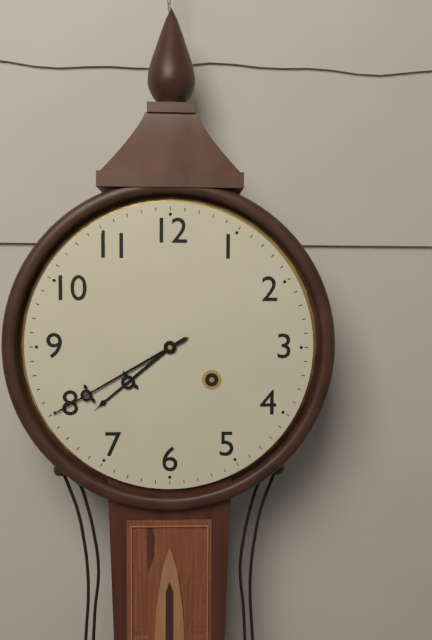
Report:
7,40
